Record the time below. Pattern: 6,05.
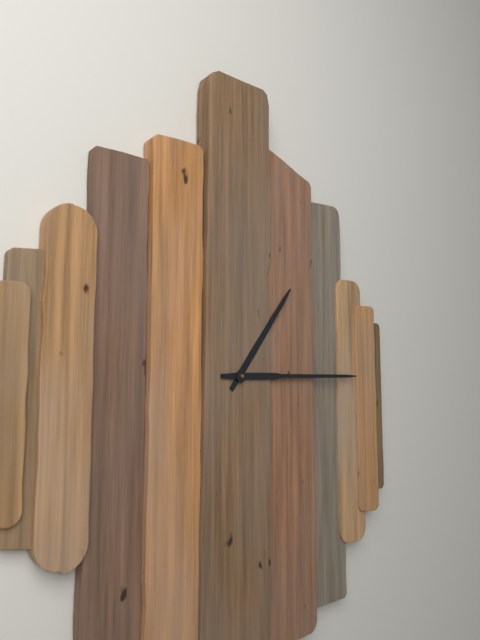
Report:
1,15
